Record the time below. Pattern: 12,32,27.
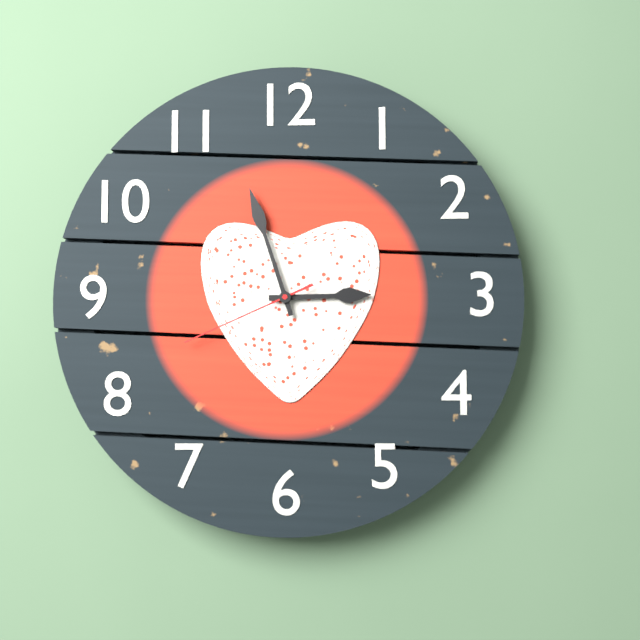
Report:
2,57,41
